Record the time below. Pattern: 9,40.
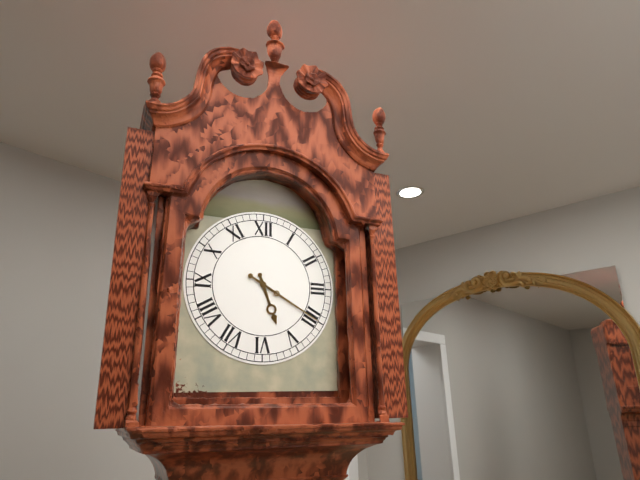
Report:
5,20
